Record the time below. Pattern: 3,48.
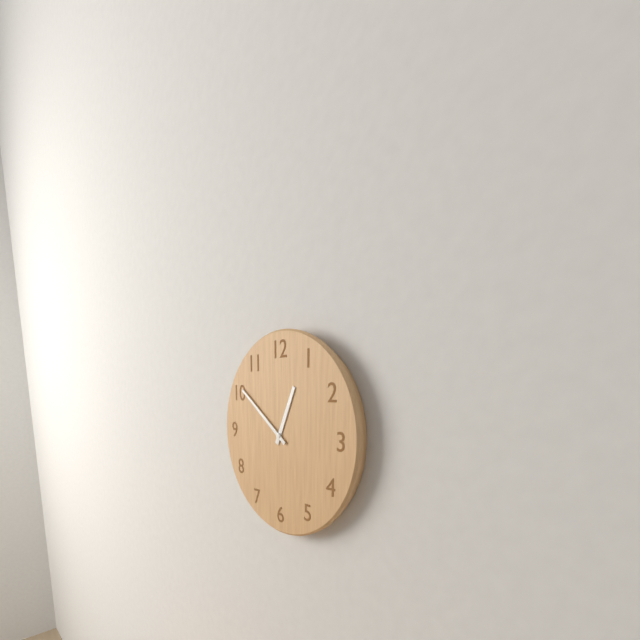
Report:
12,51
